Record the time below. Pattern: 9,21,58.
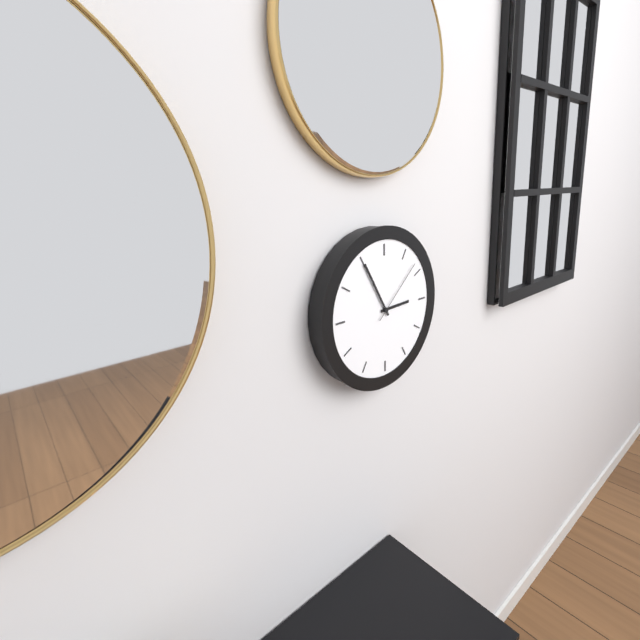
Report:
2,55,08
